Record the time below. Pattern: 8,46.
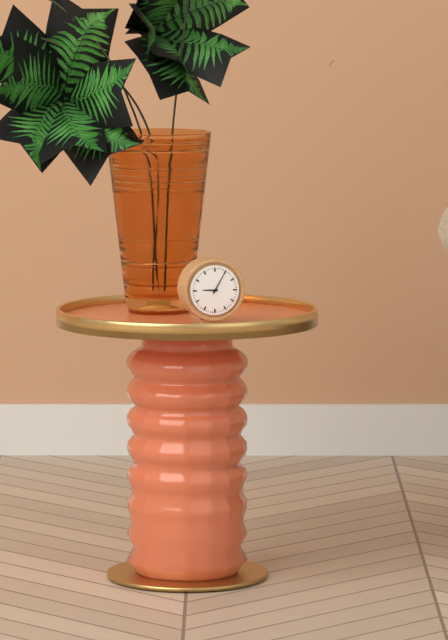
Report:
9,05
